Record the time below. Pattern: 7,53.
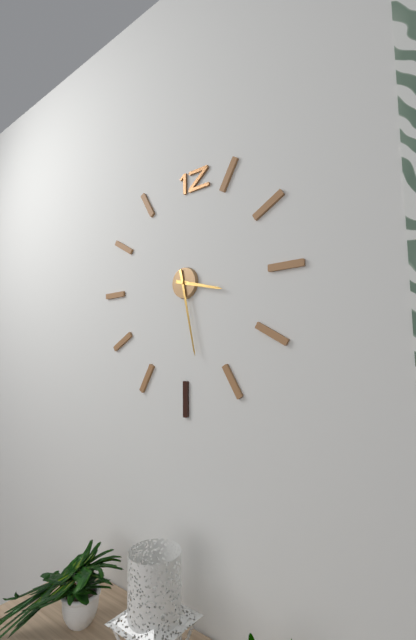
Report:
3,28
